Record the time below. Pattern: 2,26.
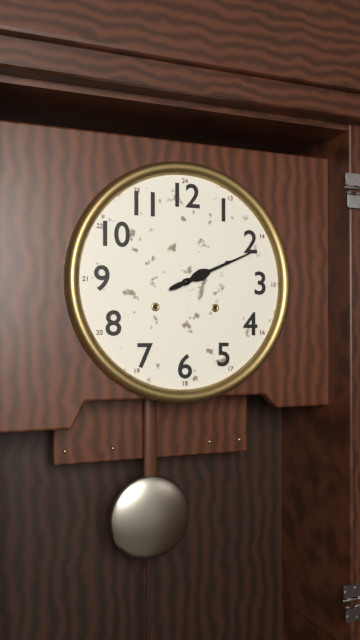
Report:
2,11
